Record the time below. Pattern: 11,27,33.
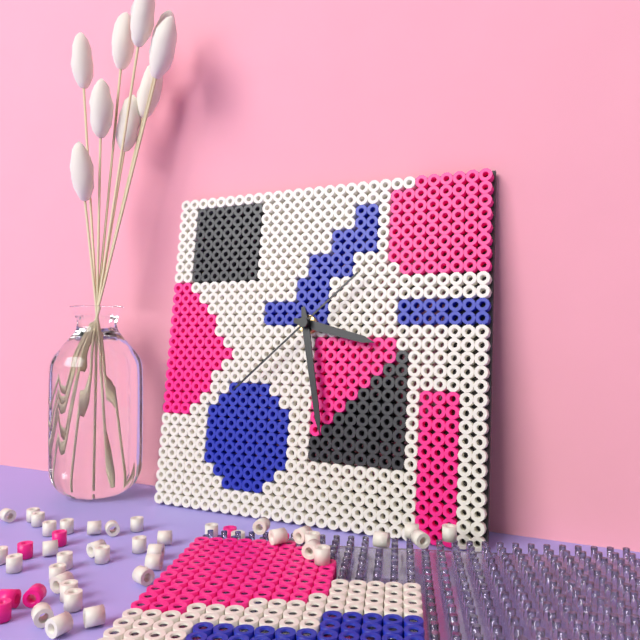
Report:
3,28,38
